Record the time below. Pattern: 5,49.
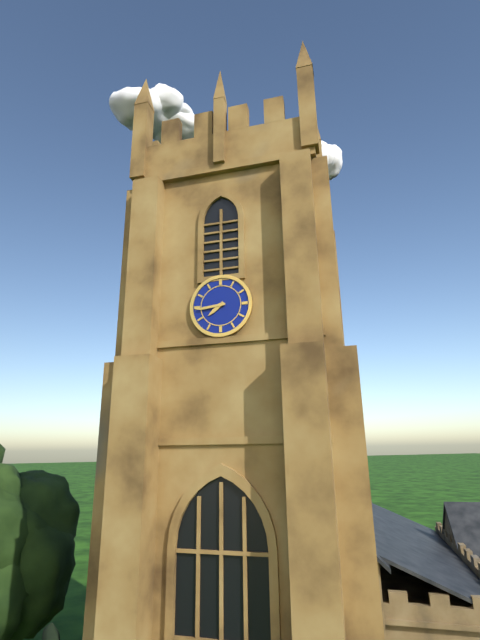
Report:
7,44
